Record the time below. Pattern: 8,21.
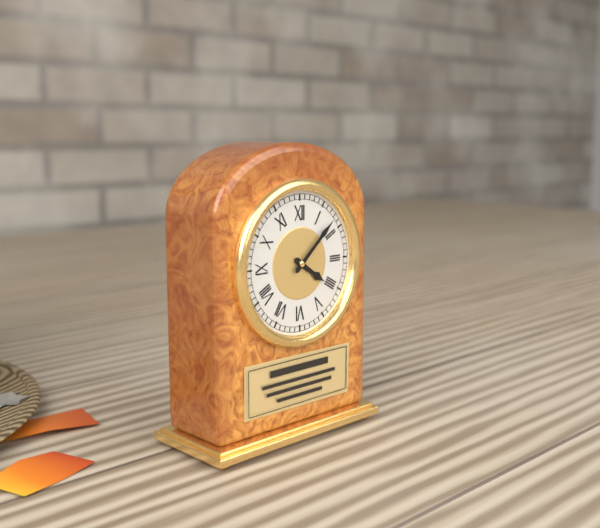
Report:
4,08
